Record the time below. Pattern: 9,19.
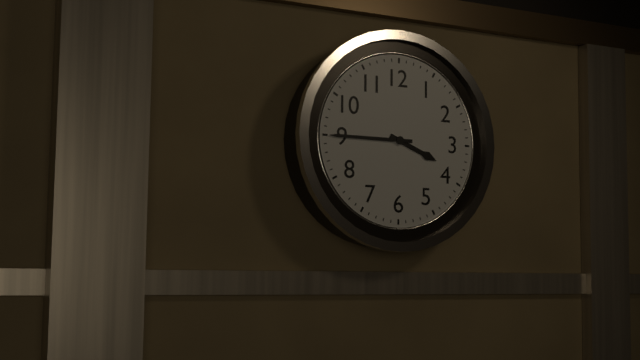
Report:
3,45
